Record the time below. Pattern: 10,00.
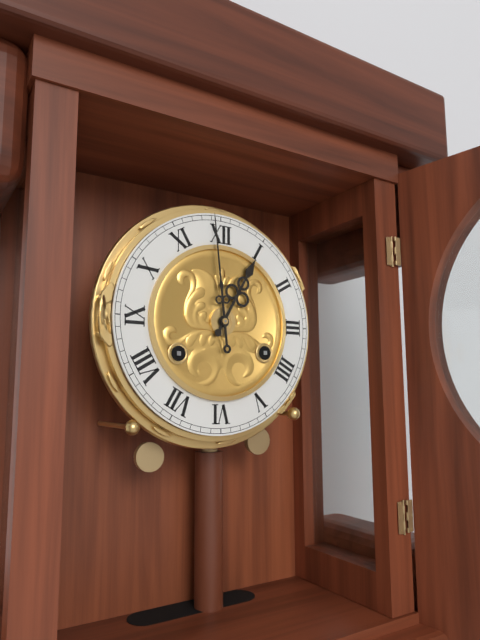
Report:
12,59
